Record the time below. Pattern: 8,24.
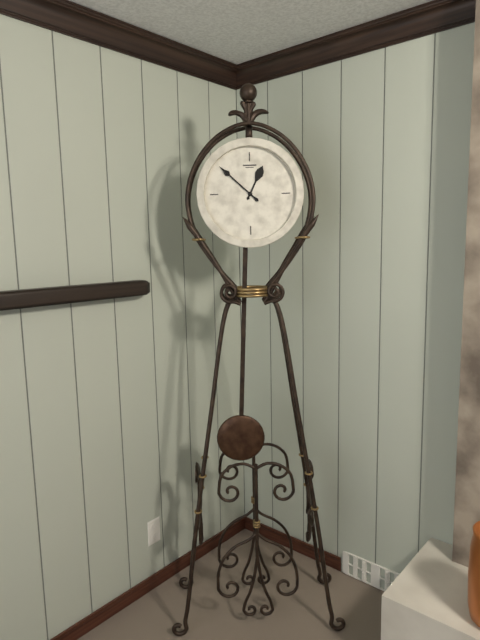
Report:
12,52
